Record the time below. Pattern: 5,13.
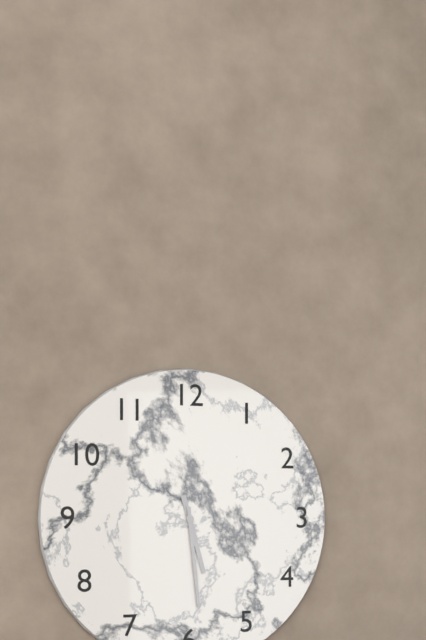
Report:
5,29
